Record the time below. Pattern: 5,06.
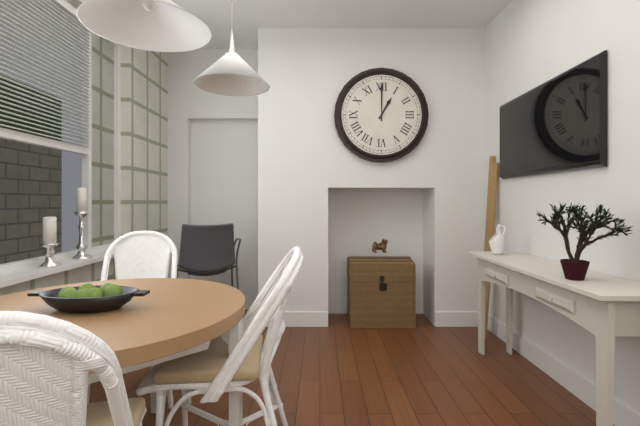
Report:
1,00
